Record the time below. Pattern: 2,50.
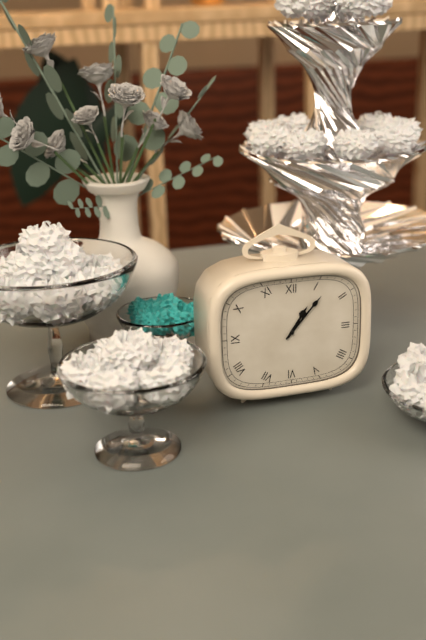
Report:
1,07
